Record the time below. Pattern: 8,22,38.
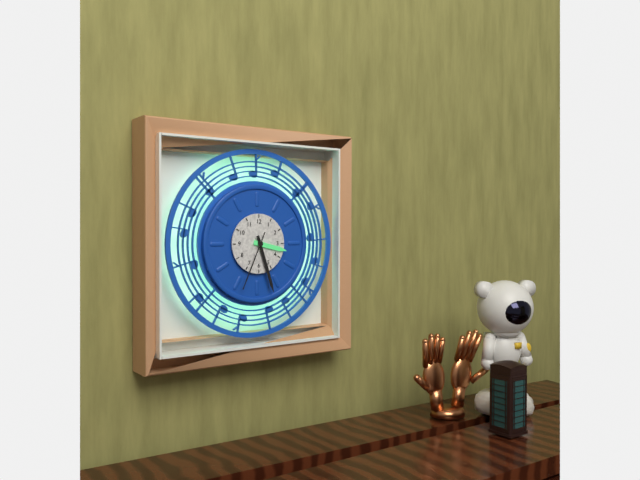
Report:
3,27,34
